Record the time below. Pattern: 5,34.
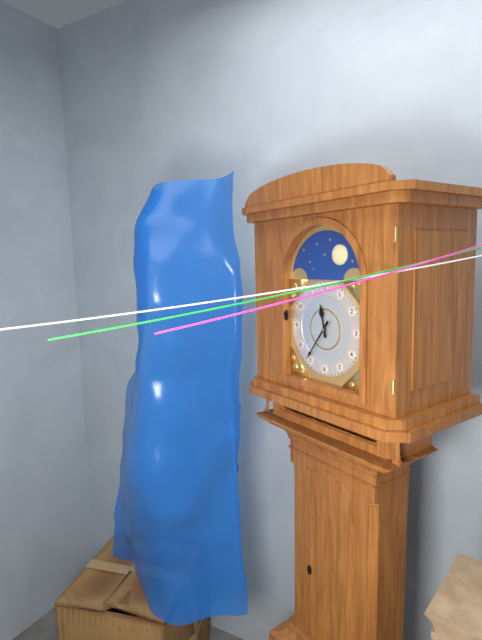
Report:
11,36
